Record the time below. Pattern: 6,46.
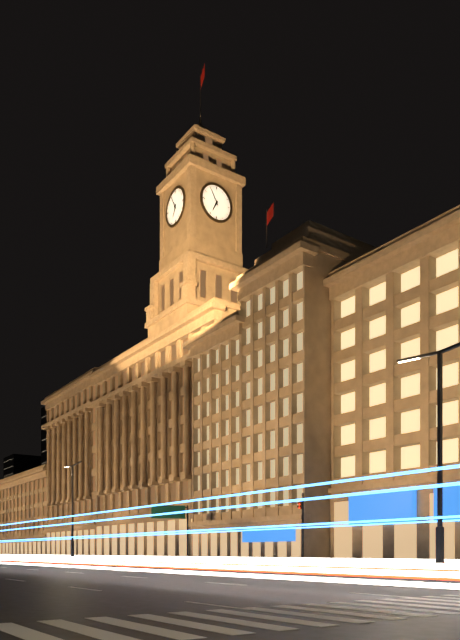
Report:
6,55
